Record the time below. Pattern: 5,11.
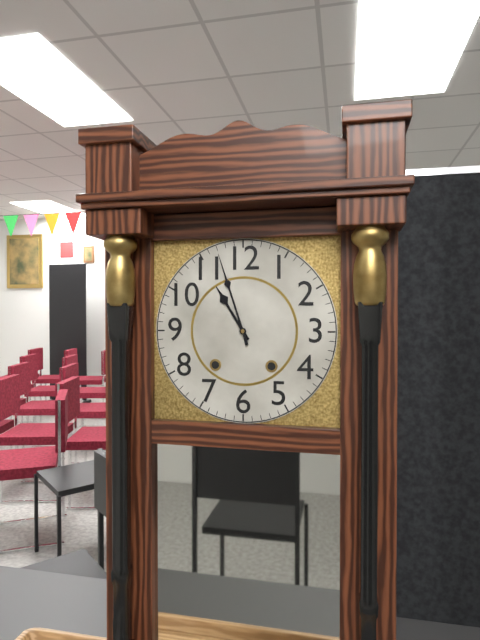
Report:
10,57
